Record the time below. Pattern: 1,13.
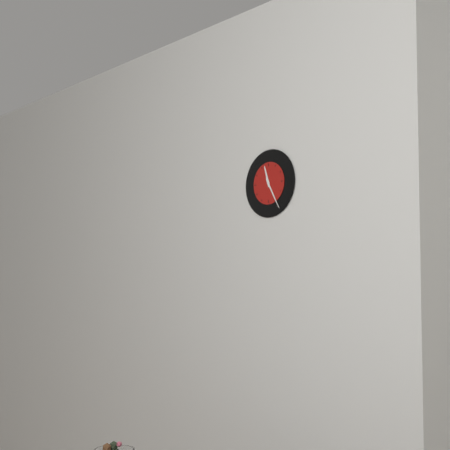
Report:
11,25
